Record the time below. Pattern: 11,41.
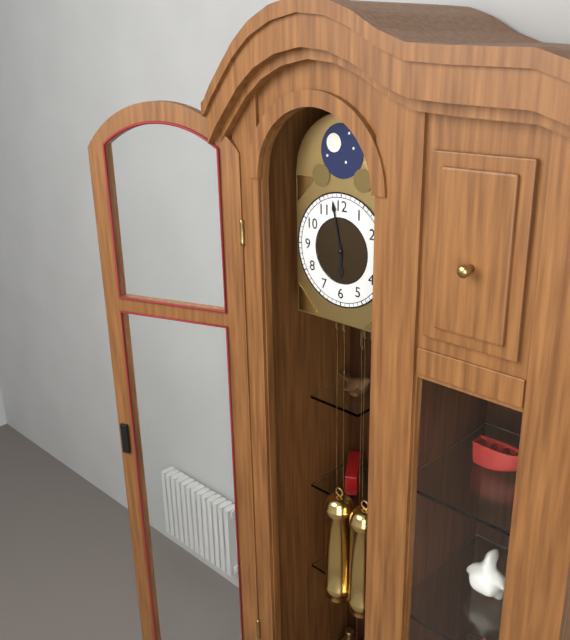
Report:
5,58
